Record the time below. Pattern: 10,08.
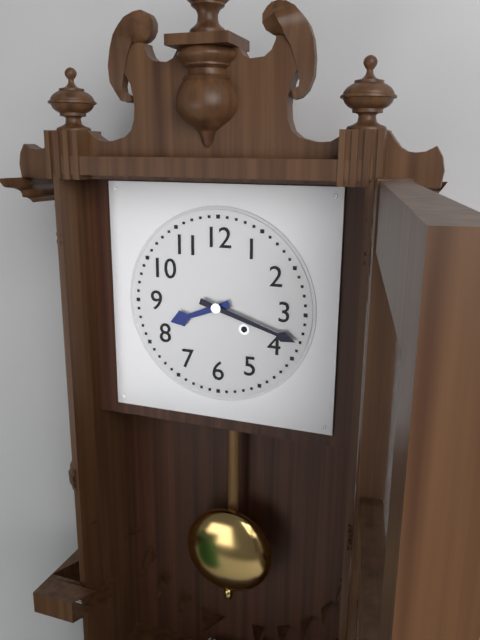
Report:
8,18
